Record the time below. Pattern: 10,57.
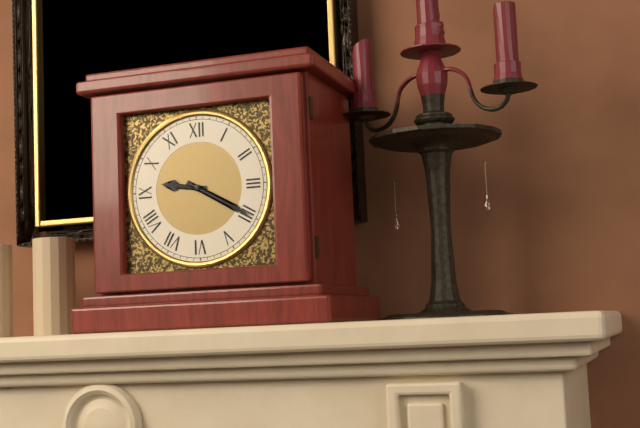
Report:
9,20
